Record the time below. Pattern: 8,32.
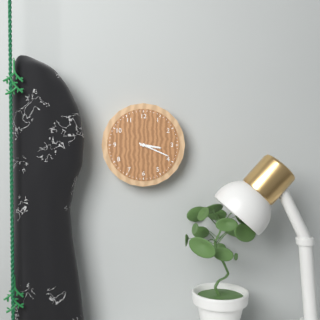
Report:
3,19
